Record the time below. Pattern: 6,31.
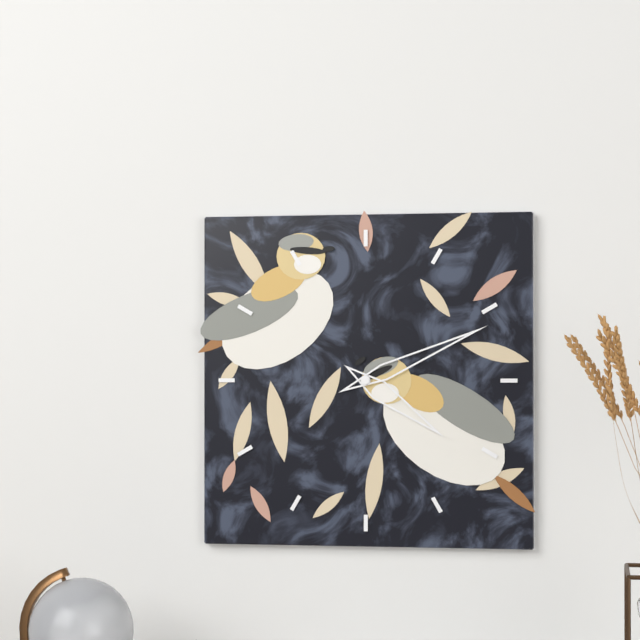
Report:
4,11
